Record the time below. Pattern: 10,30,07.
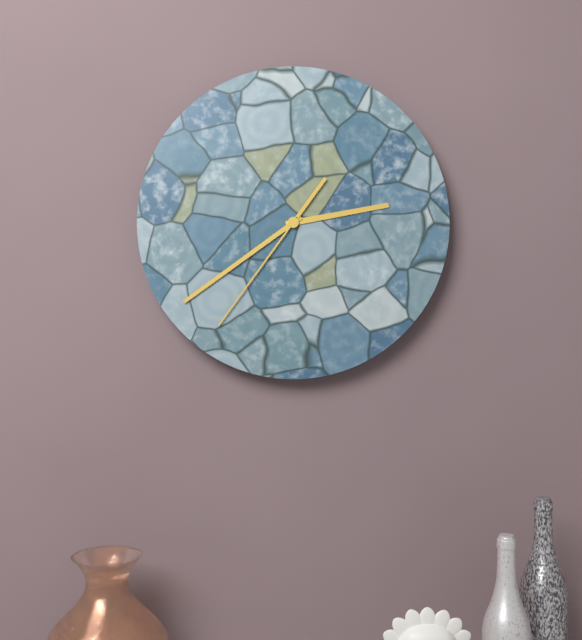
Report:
2,39,36
